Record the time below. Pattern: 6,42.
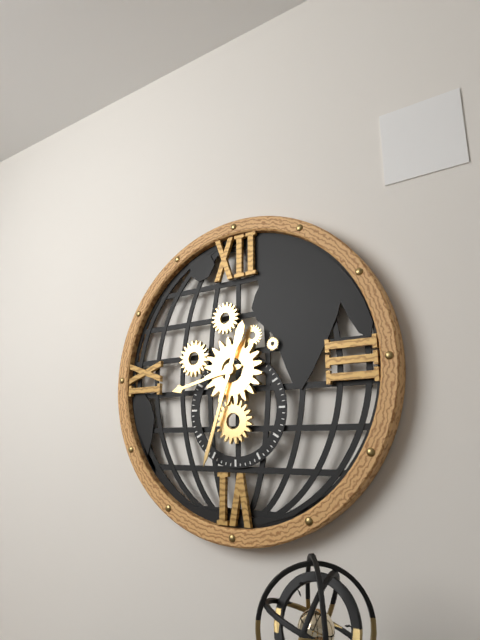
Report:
8,33
